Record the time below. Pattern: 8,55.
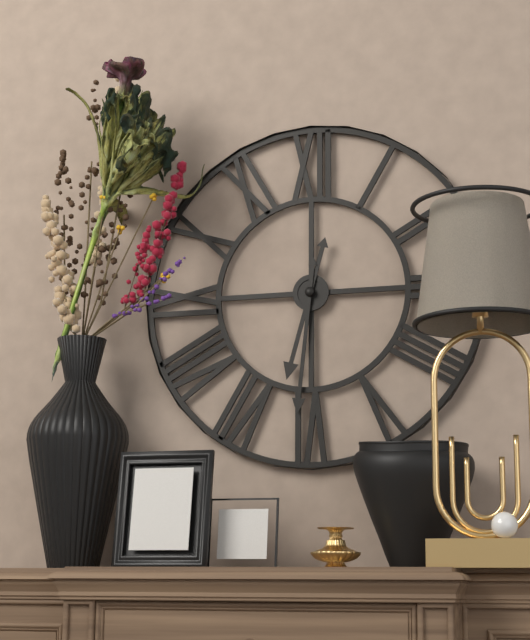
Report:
6,31
